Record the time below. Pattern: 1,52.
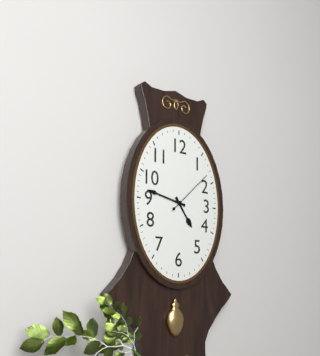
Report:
4,47
